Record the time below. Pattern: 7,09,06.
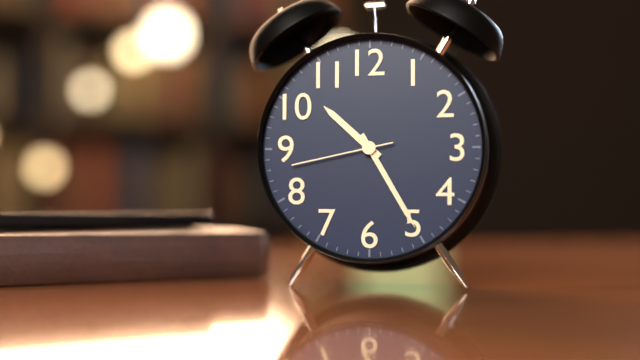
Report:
10,25,43
